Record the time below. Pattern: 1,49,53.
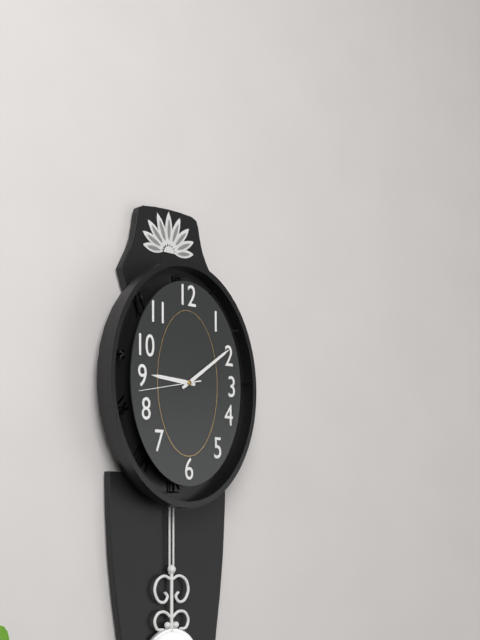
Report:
9,09,43
